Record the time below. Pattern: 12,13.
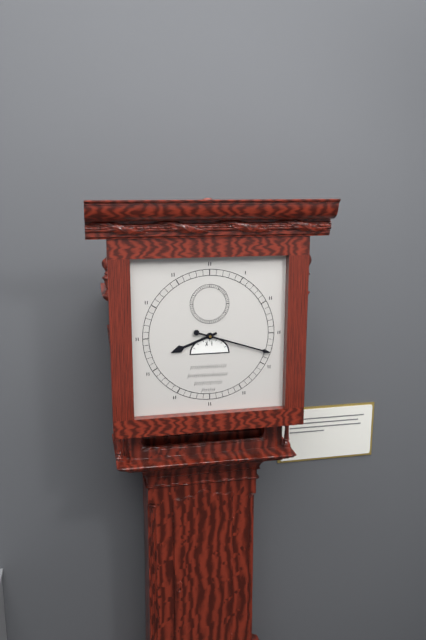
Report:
8,18
